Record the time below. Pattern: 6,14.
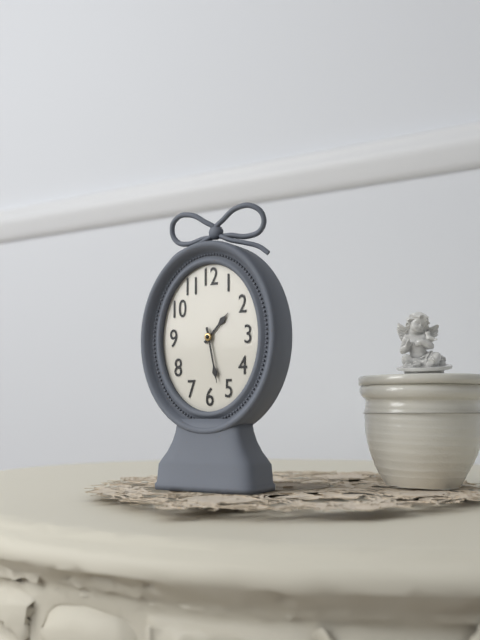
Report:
1,28
